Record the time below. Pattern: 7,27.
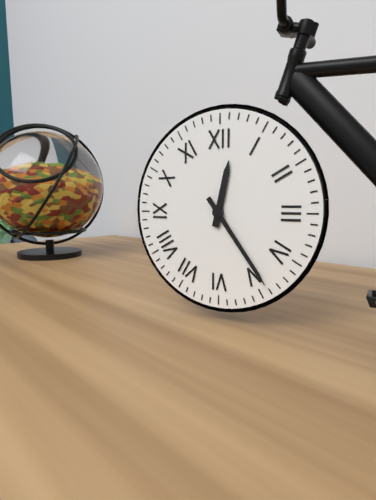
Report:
12,24
